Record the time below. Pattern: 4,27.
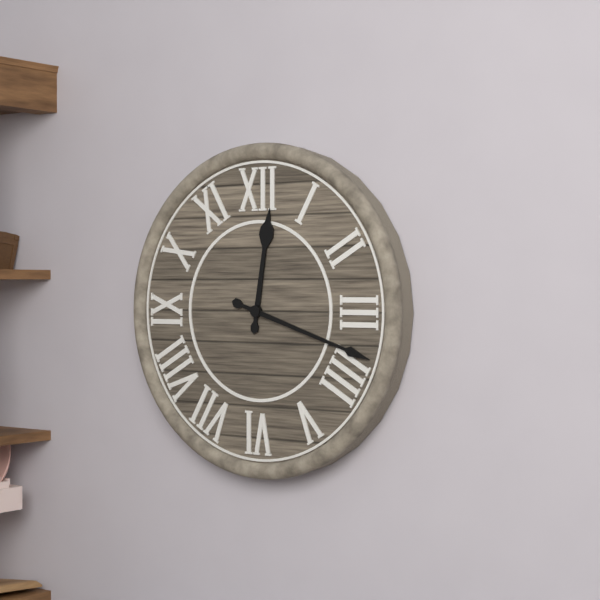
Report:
12,18
